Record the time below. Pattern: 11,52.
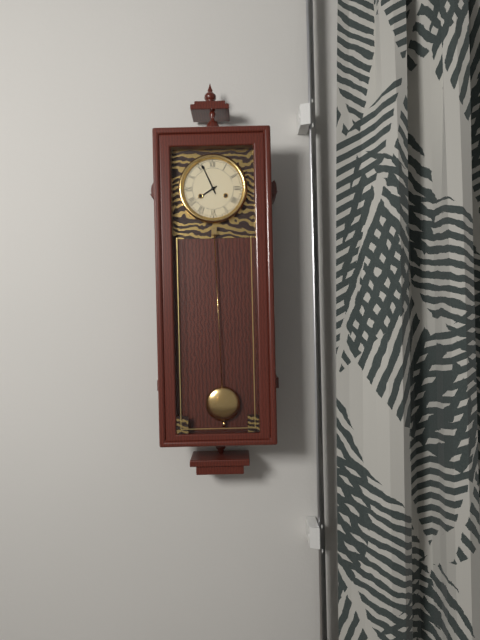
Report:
7,56
